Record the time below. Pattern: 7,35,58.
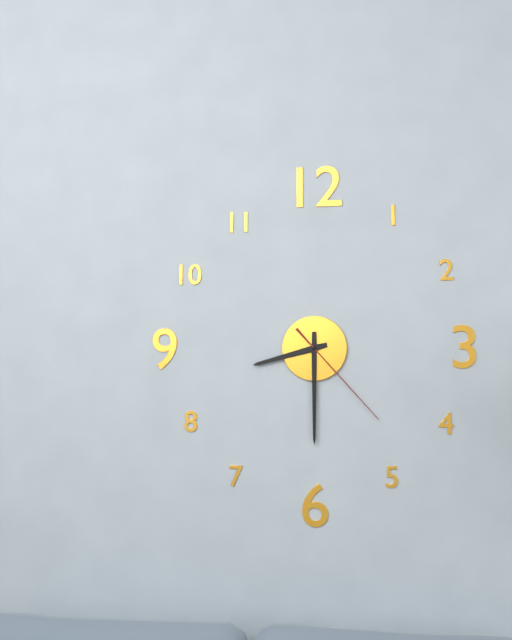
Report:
8,30,23
